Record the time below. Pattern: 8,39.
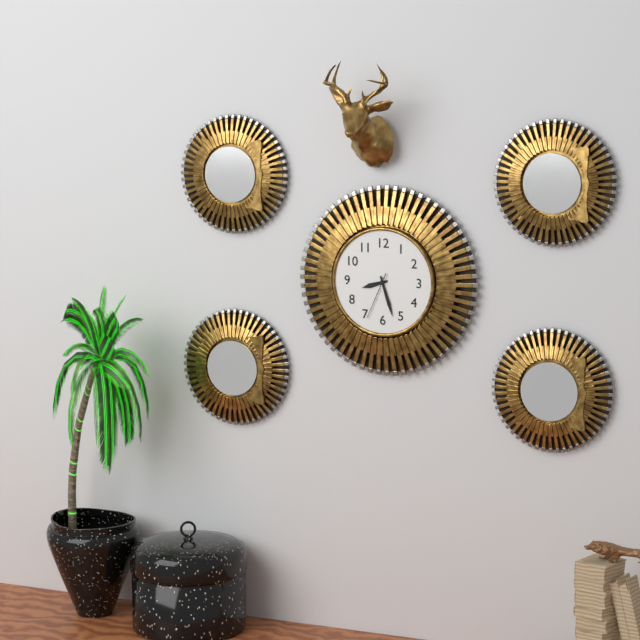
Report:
8,27
